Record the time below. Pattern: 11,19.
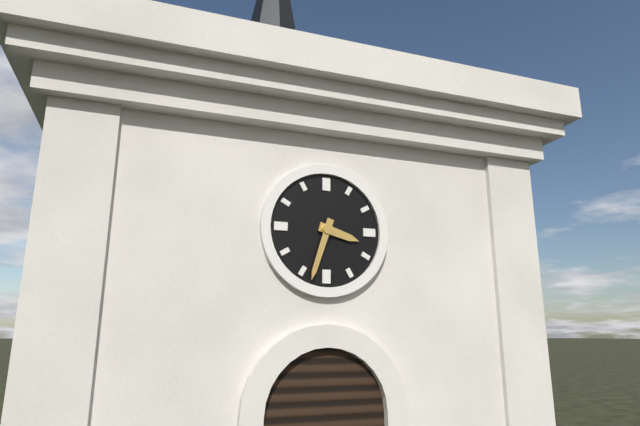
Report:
3,33
